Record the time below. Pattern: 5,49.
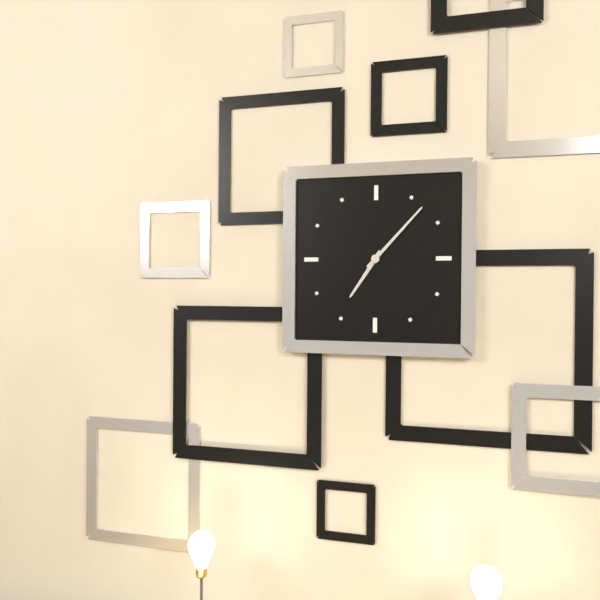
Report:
7,07
